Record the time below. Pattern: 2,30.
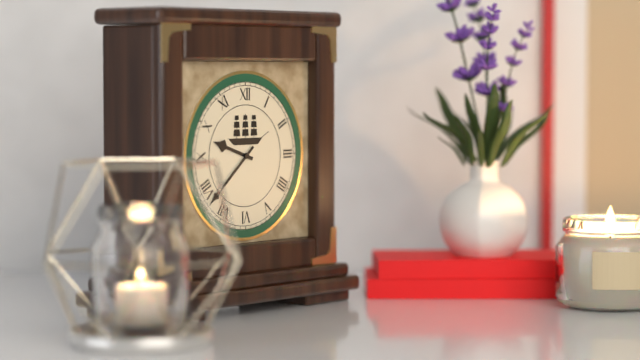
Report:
9,38
